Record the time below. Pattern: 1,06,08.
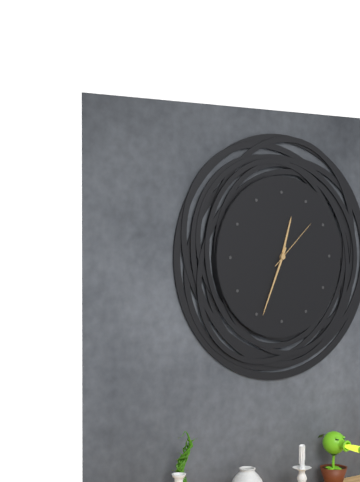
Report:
12,34,08
